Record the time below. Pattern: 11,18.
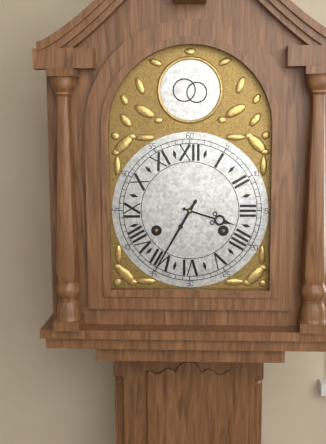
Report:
3,35
